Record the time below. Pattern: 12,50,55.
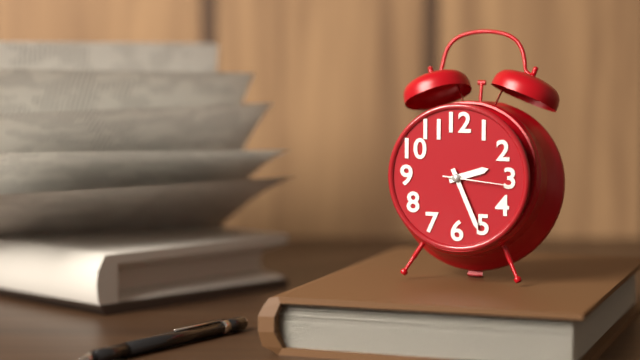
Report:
2,26,16
